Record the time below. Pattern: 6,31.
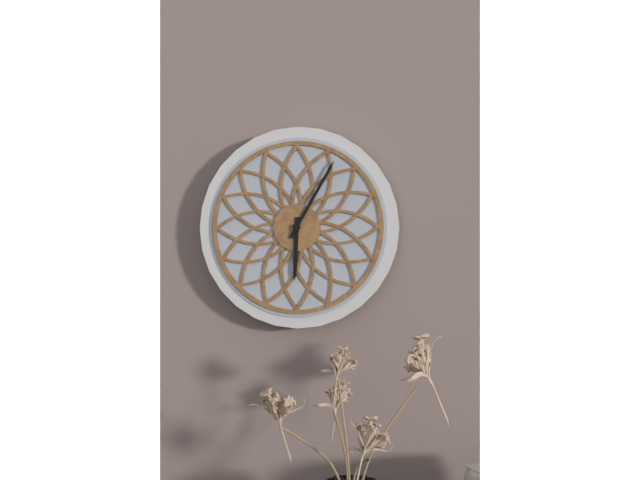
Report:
6,05
